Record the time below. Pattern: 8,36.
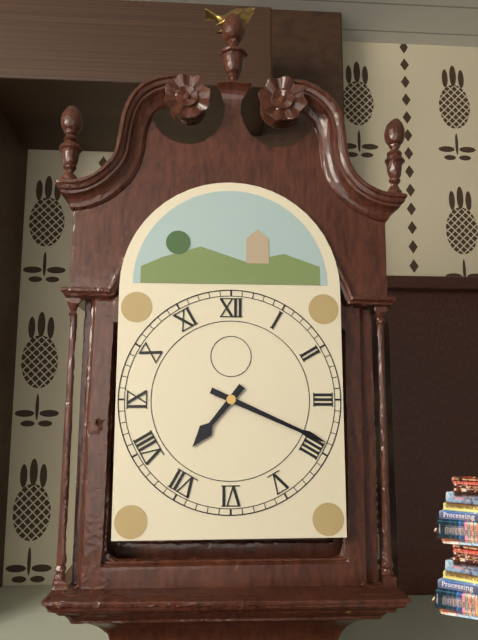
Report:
7,19
